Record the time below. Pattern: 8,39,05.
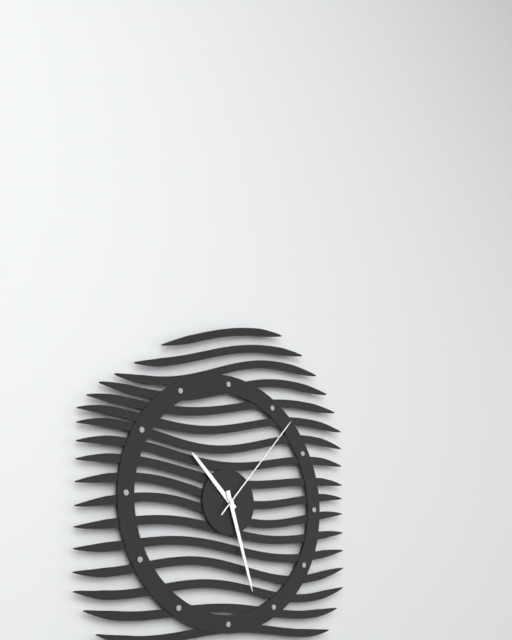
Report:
10,27,07
